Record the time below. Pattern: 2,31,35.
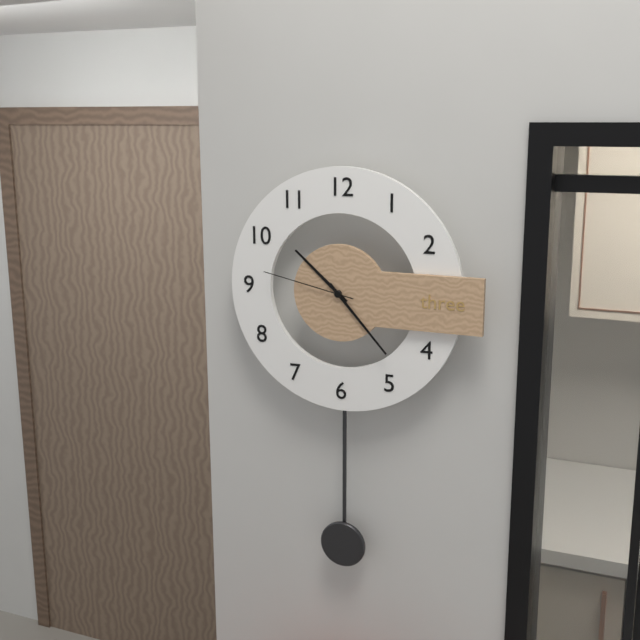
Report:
10,23,47
